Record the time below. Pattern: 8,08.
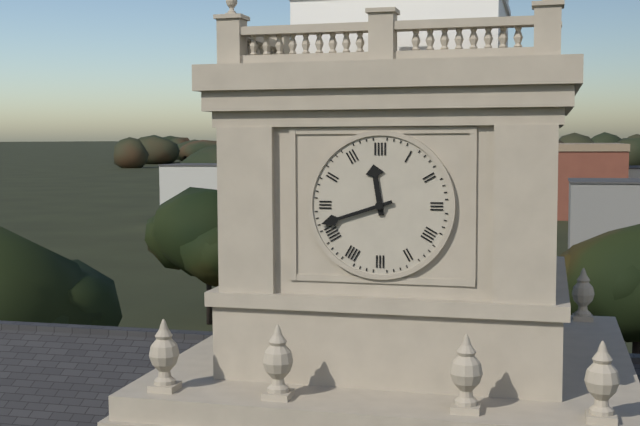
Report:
11,42
